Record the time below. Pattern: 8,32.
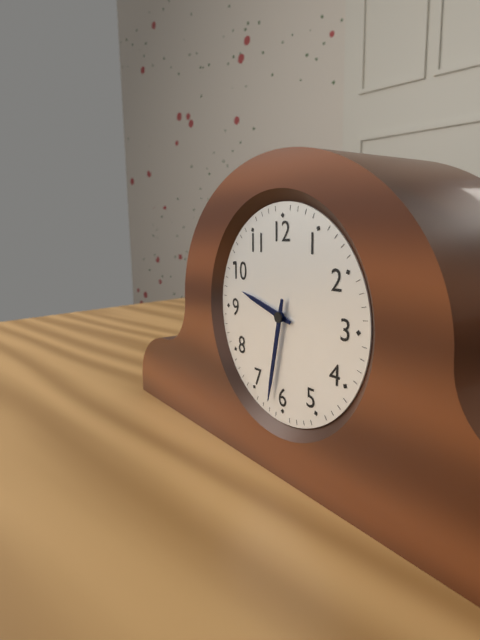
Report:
9,32
